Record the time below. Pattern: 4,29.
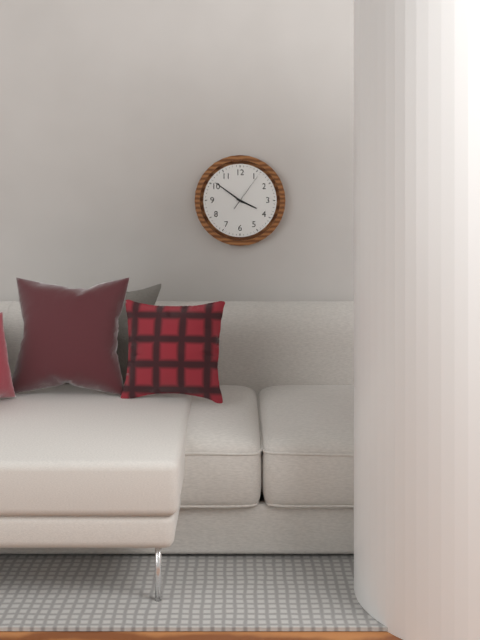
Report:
3,51
